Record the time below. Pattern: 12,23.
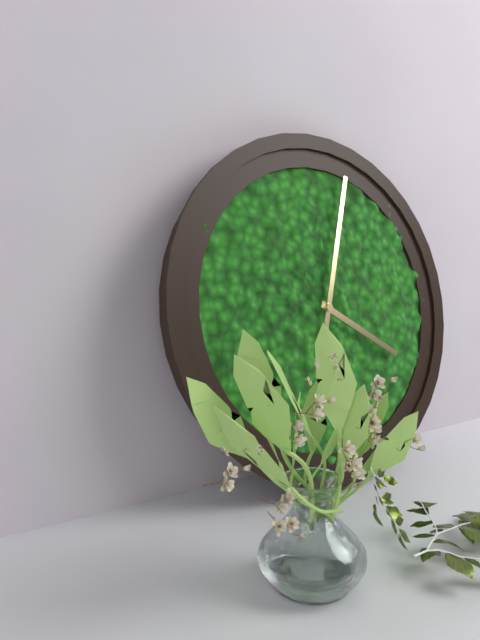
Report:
4,03
